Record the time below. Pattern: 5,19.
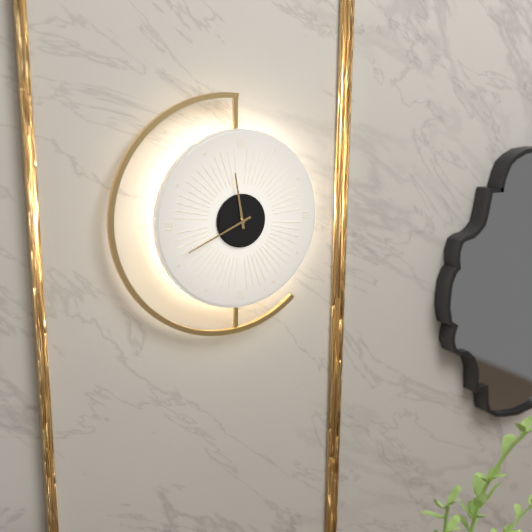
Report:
11,41
